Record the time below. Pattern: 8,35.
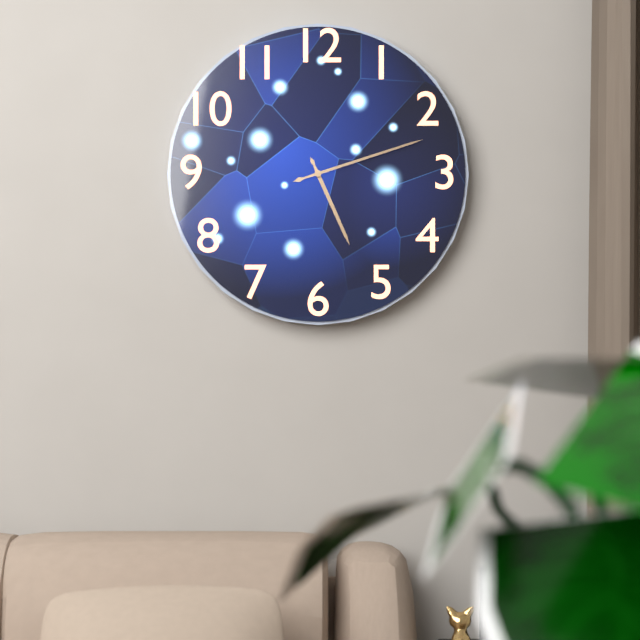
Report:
5,12
